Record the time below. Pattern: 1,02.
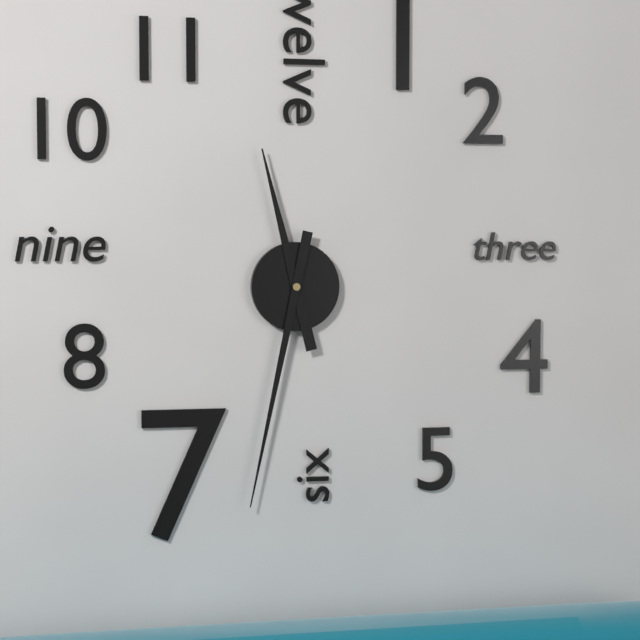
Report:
11,32
